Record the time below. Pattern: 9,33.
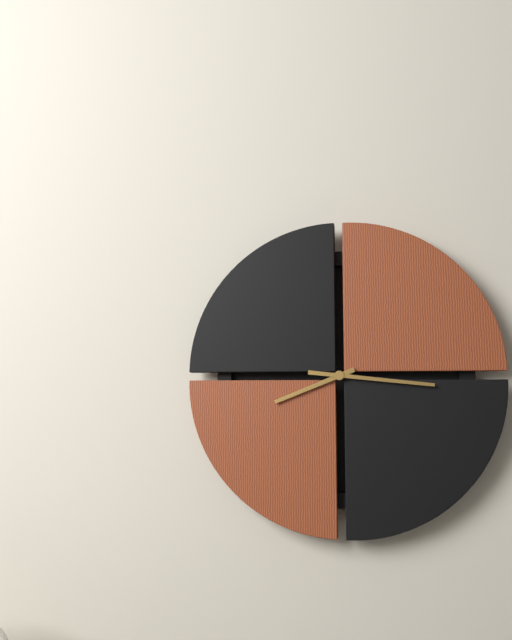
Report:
8,16
